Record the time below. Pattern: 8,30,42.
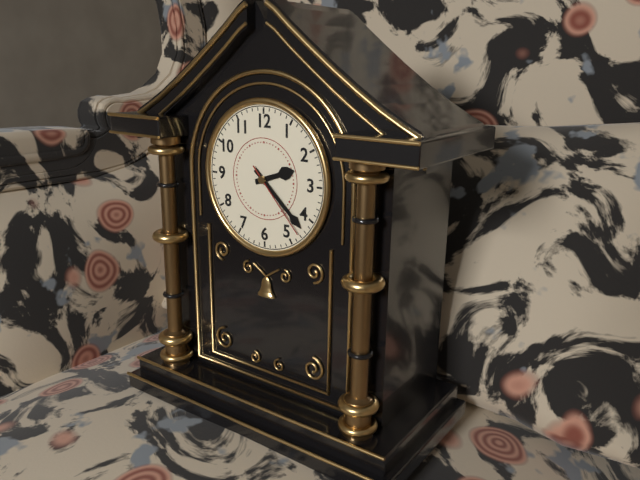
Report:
2,22,23
